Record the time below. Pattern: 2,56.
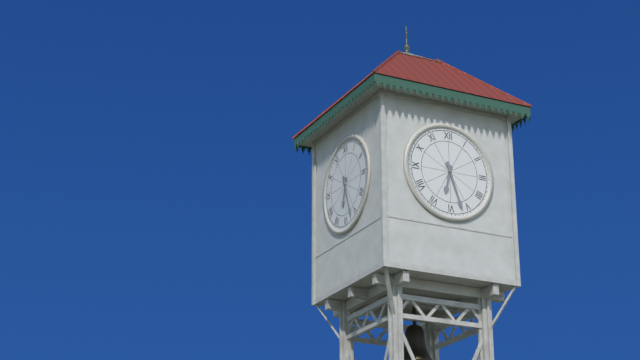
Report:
6,27
